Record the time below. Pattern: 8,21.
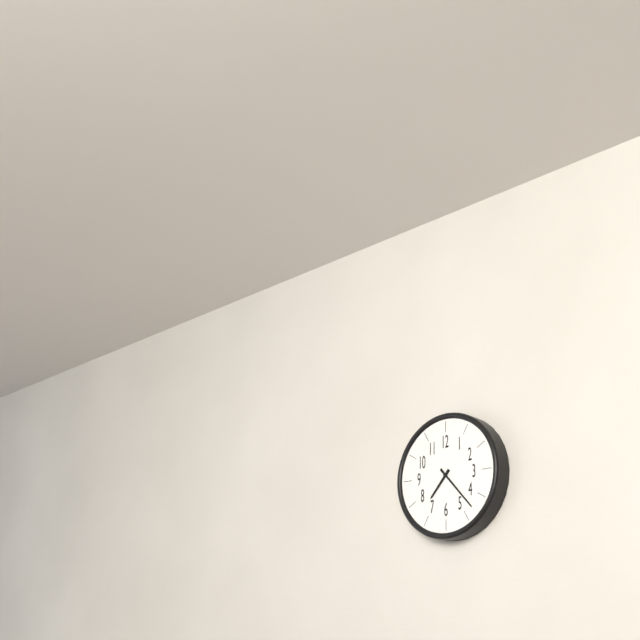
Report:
7,23
